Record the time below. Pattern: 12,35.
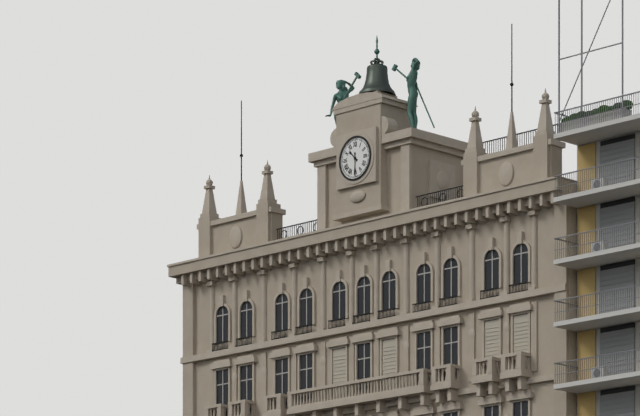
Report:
10,30
